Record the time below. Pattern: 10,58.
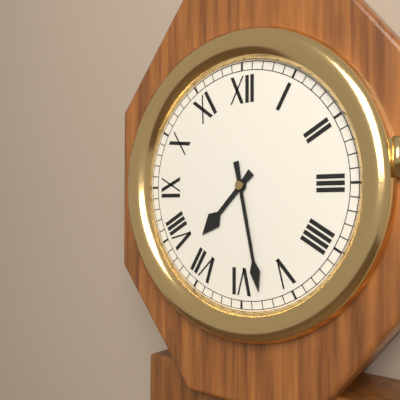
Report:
7,28
